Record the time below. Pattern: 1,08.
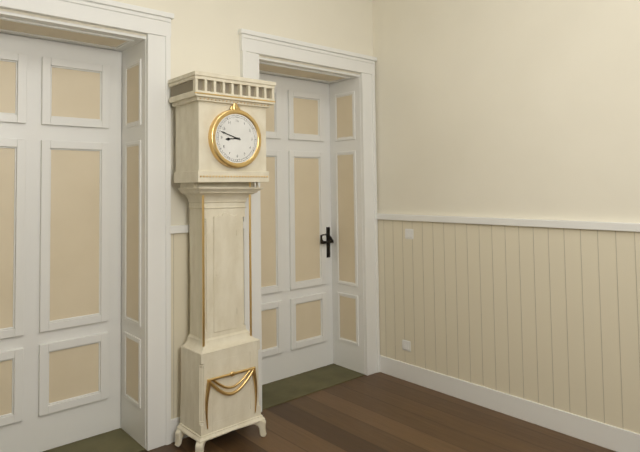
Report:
8,48
